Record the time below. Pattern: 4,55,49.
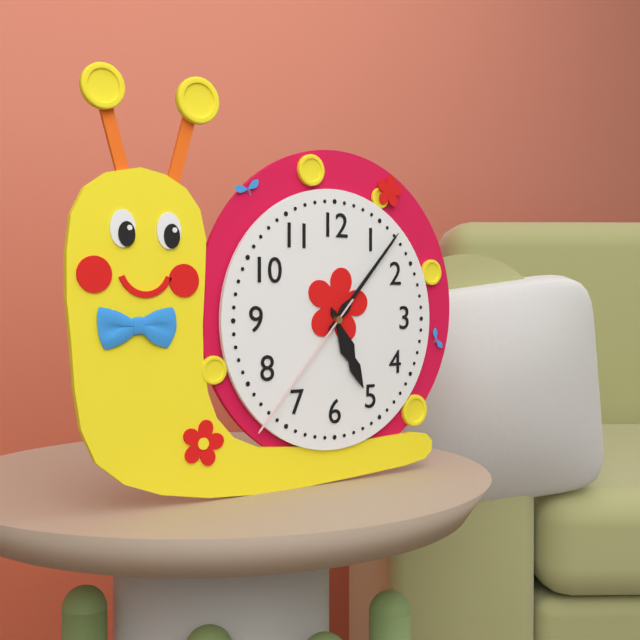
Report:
5,07,37
